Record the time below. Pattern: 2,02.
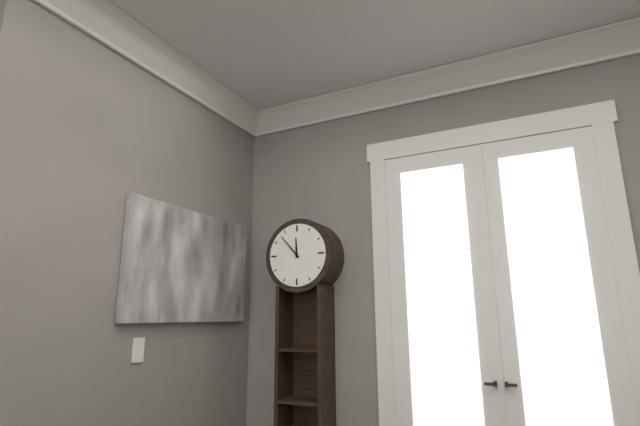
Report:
11,53
